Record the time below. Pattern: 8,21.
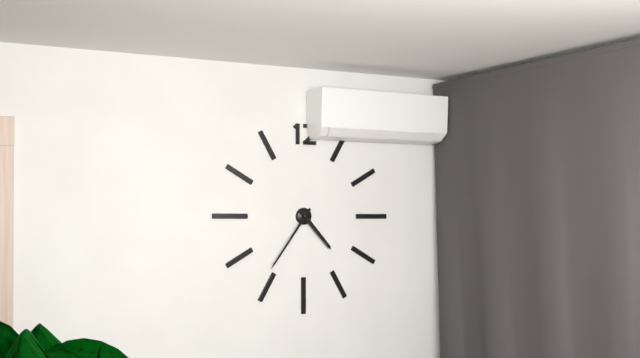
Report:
4,36
